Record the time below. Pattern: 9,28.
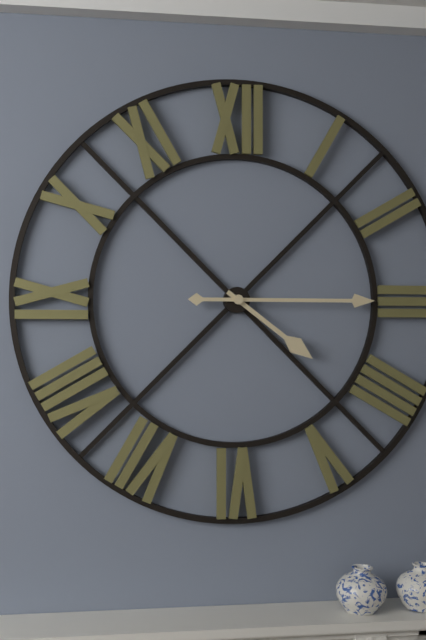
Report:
4,15
